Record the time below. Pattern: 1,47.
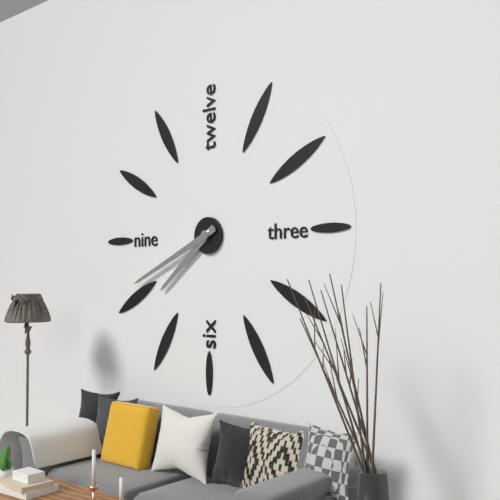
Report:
7,41
